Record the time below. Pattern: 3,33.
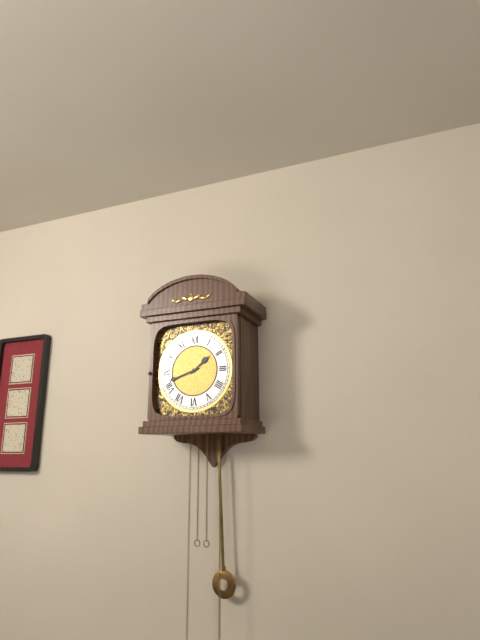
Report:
1,42
